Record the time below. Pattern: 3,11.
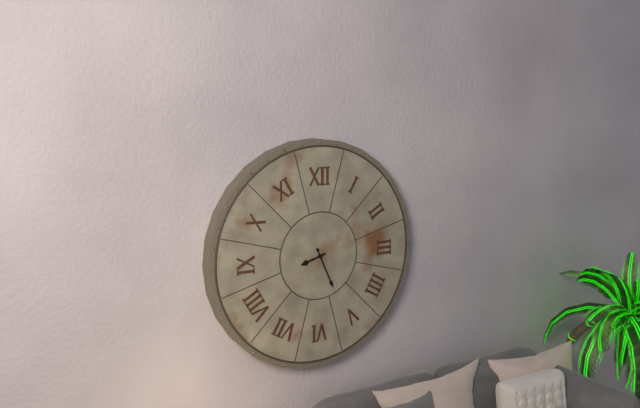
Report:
8,26
